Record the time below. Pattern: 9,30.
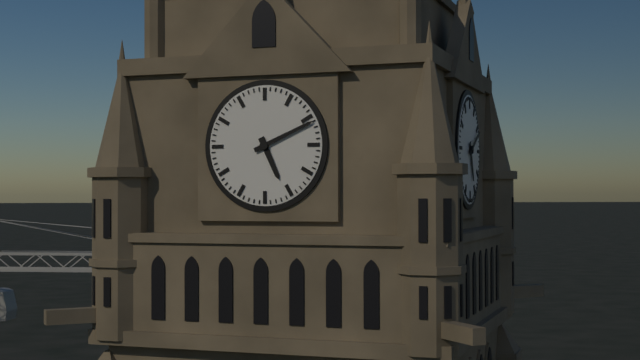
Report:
5,11
